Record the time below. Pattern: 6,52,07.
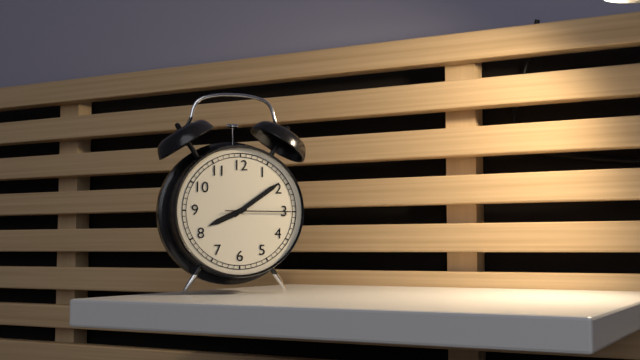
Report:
8,09,15
